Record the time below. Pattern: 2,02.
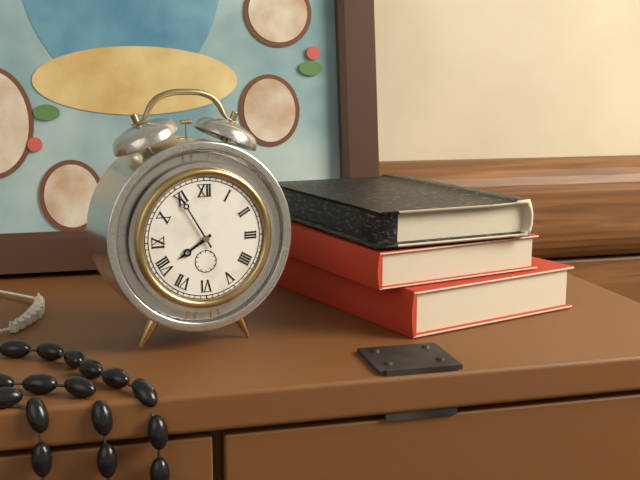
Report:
7,55
